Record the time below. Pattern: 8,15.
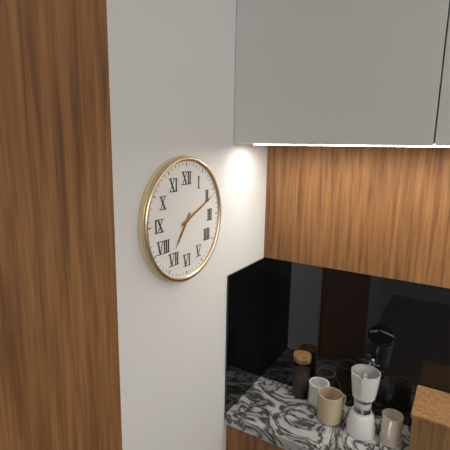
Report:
7,11
